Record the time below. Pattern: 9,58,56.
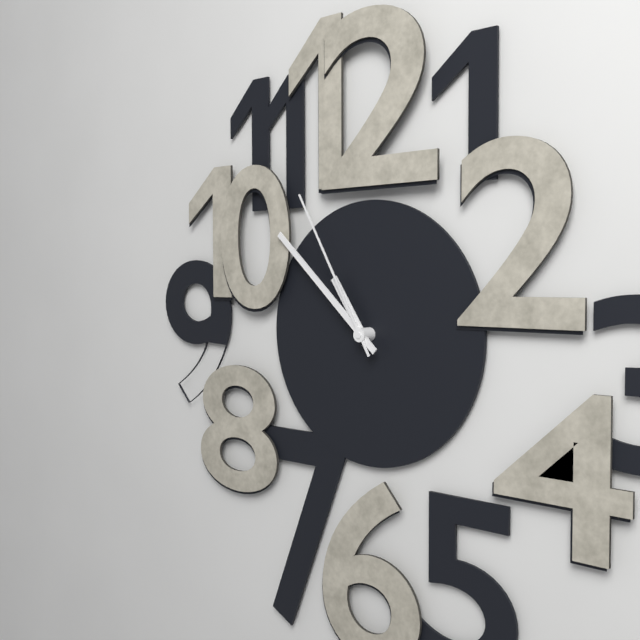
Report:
10,52,55
